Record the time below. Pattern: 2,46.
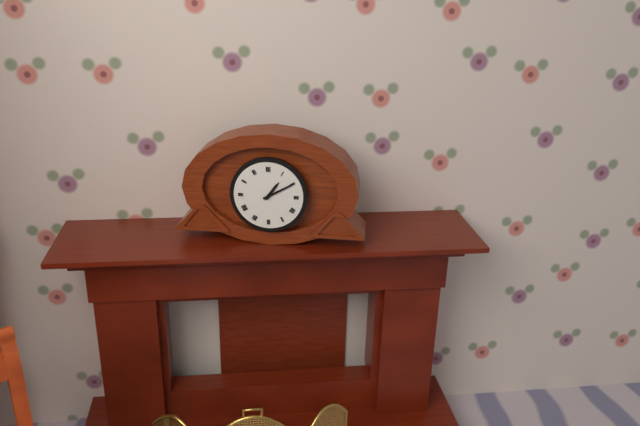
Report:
1,10
